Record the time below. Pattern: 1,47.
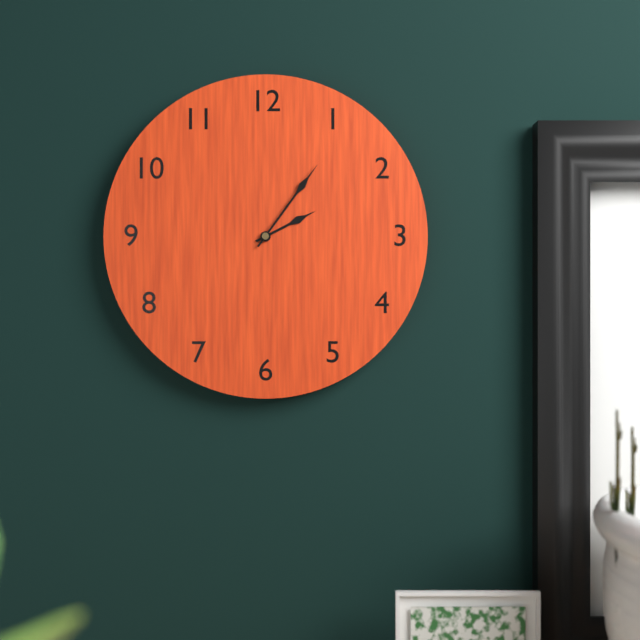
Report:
2,06
